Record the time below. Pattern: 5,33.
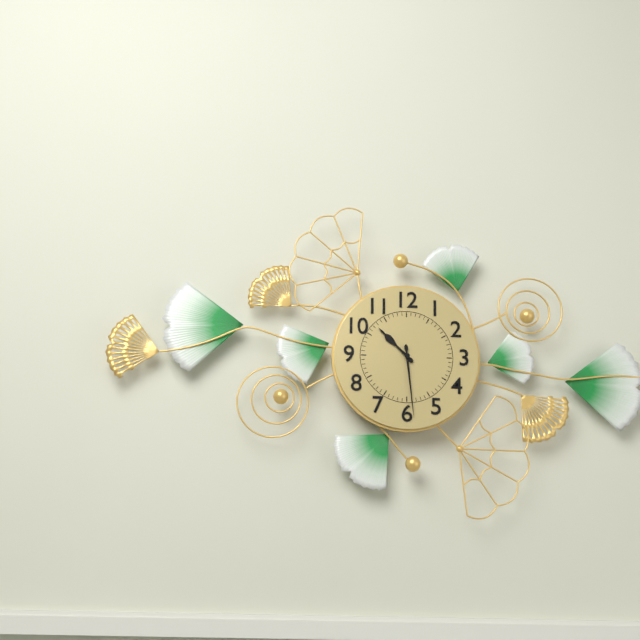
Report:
10,29
